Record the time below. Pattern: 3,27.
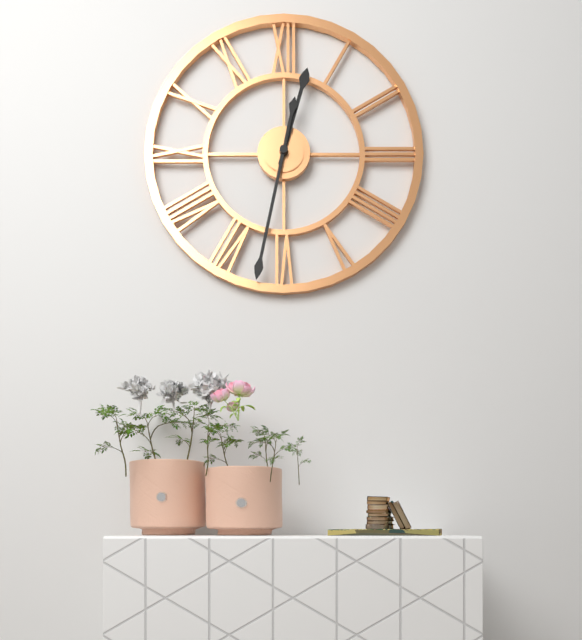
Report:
12,32
